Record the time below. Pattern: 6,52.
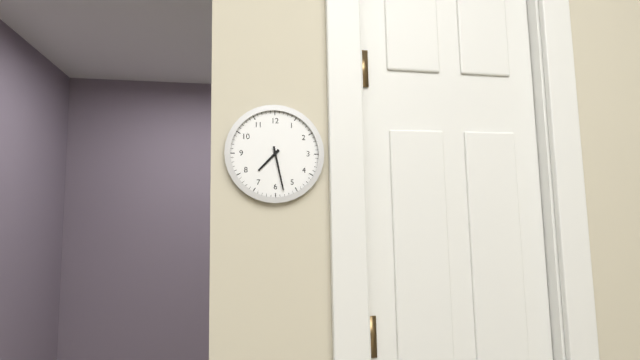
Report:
7,28
